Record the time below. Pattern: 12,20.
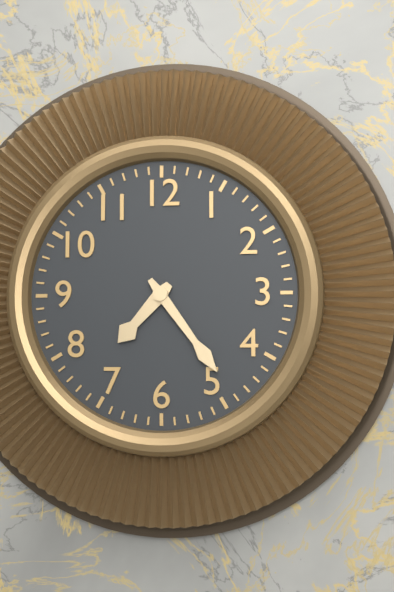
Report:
7,24
